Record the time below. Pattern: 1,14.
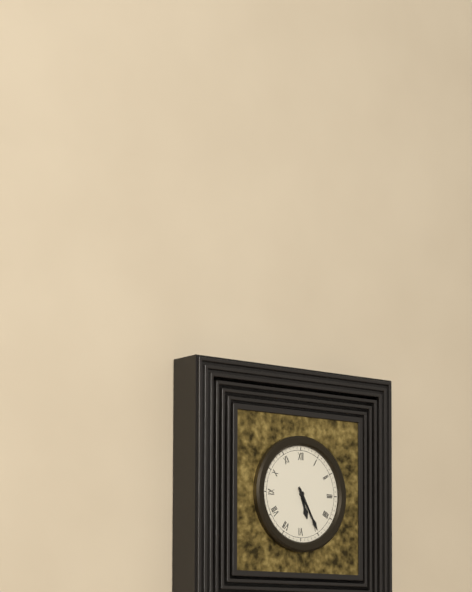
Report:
5,25
